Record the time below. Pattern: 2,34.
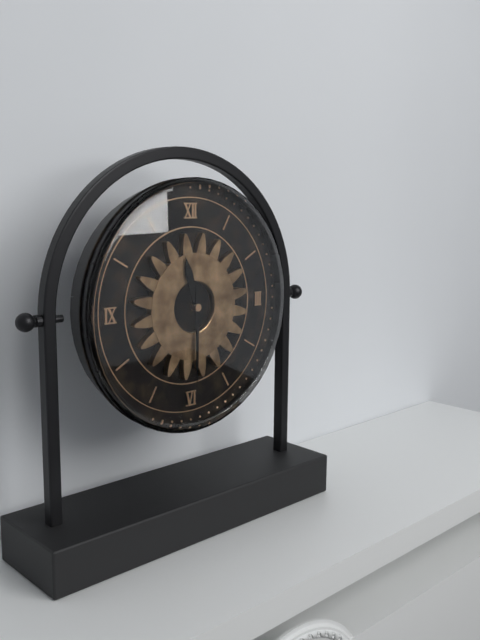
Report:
11,30
